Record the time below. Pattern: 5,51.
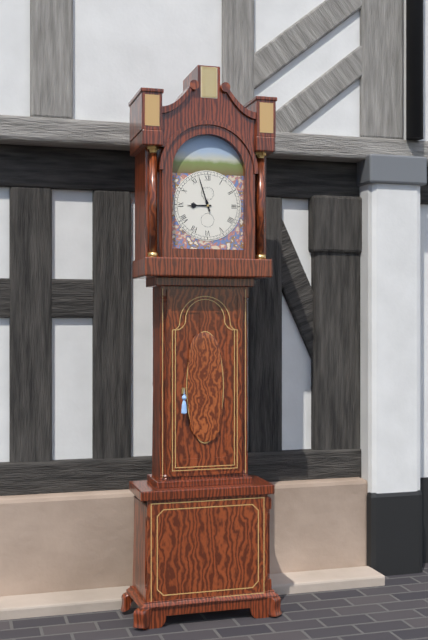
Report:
8,57
